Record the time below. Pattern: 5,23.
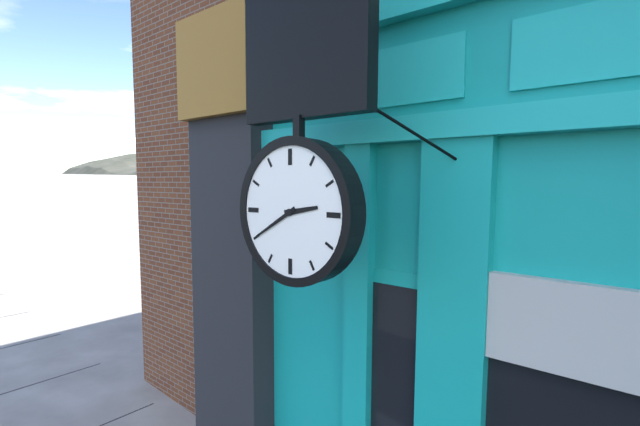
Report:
2,40
